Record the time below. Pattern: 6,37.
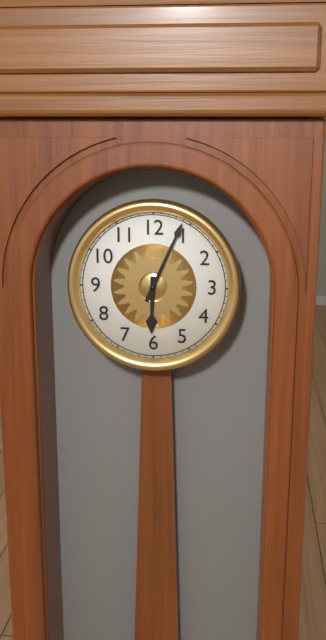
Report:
6,04
